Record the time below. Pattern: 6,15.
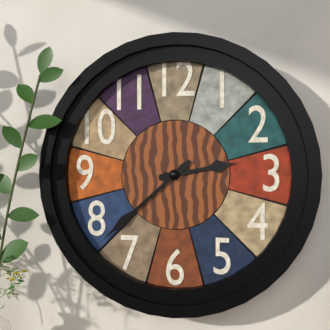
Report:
2,38
